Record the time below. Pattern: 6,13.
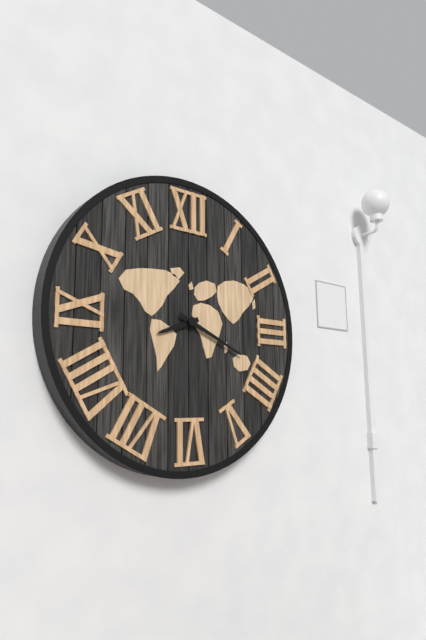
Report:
8,19
